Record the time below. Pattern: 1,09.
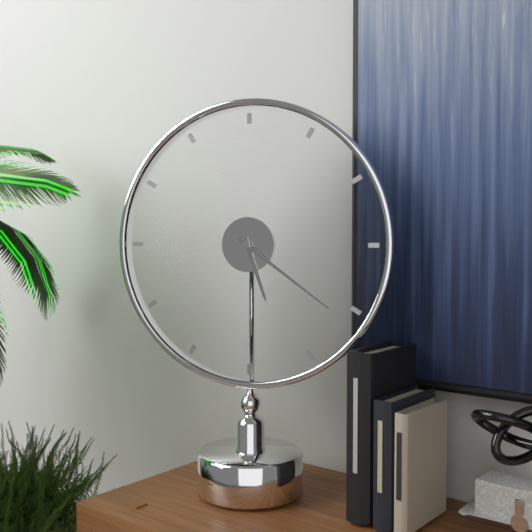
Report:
5,21
